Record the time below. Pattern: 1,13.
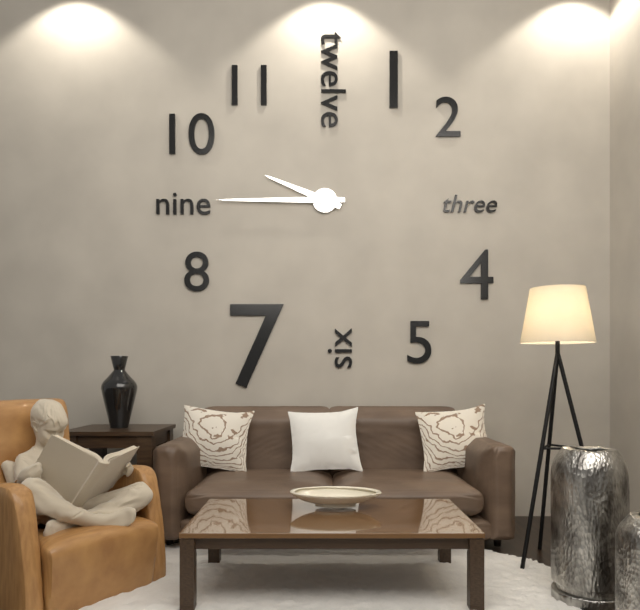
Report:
9,45
